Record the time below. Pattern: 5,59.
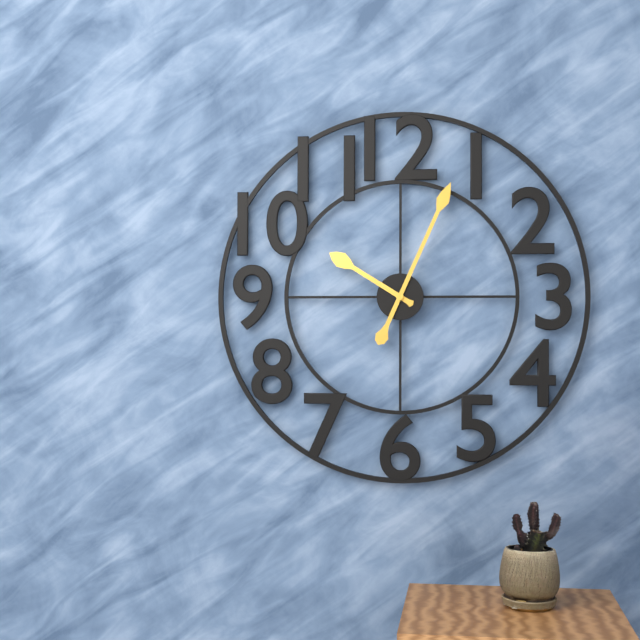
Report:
10,04
